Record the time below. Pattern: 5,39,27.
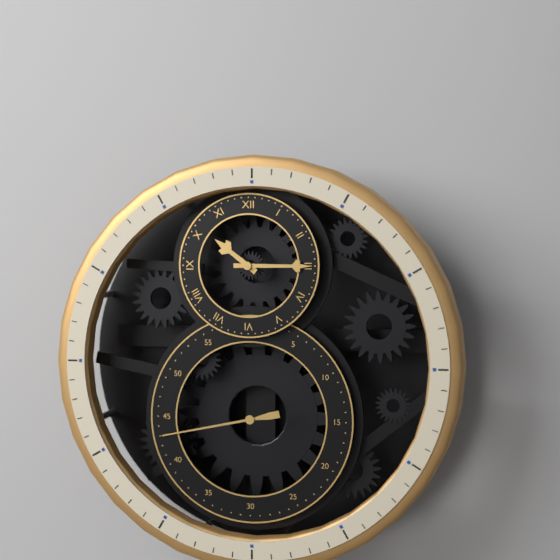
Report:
10,15,43
